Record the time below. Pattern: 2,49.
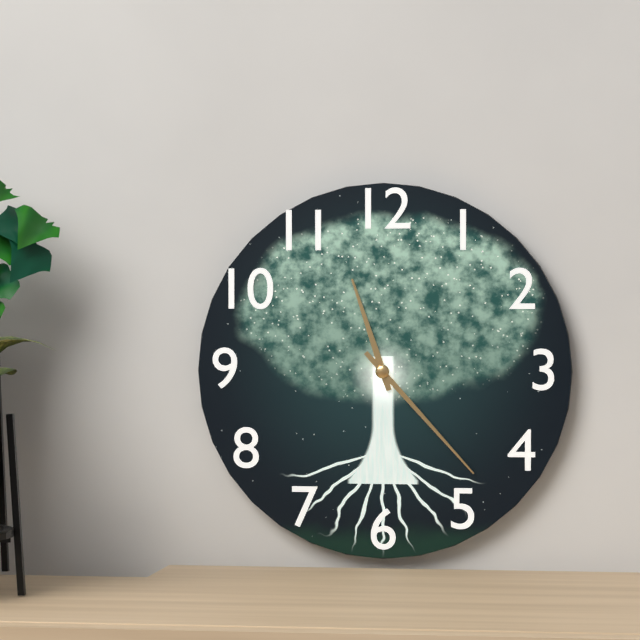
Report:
11,23
